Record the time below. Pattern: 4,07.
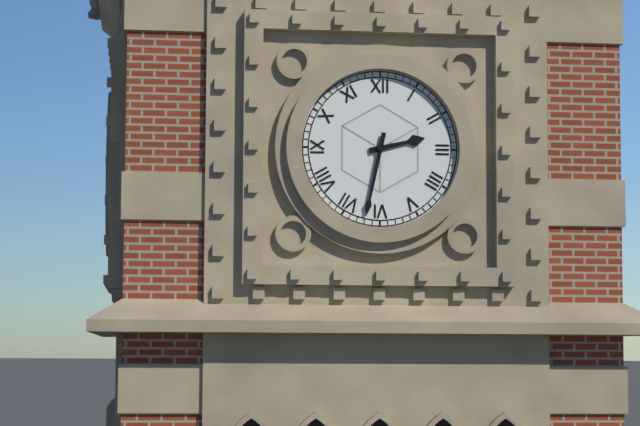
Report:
2,32
